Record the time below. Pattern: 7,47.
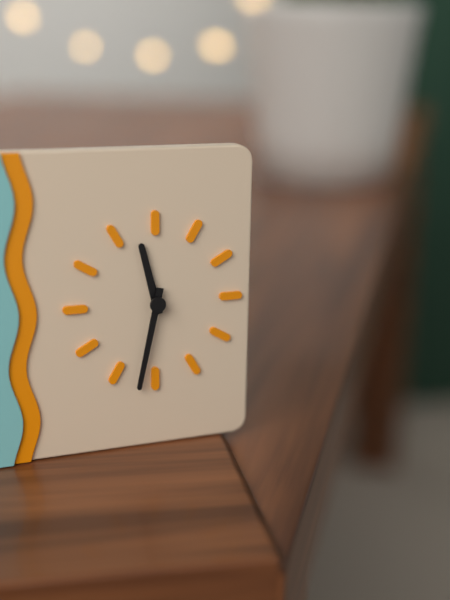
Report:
11,32
